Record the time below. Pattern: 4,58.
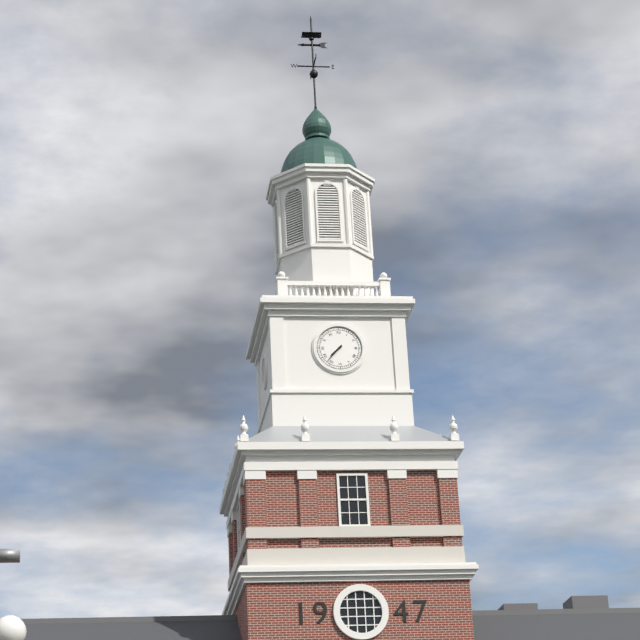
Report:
7,37
